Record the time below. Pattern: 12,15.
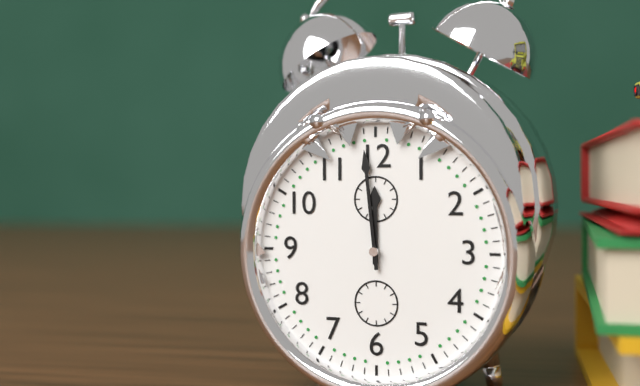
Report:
11,59
